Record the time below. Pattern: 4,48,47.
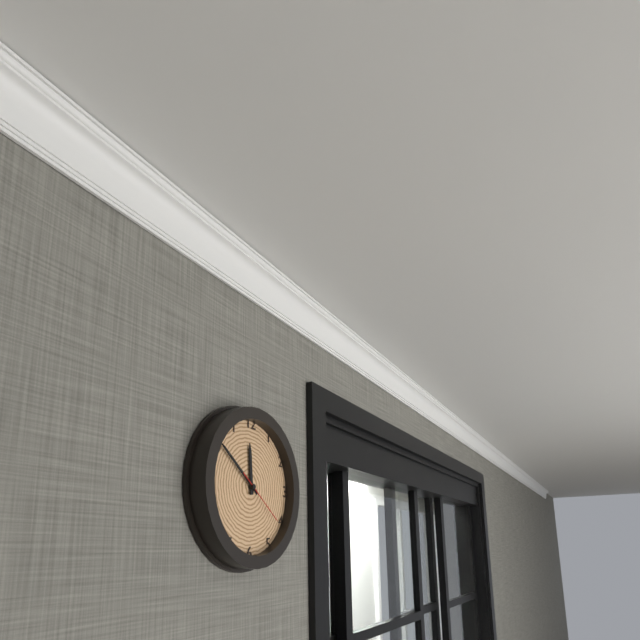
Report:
11,51,21
